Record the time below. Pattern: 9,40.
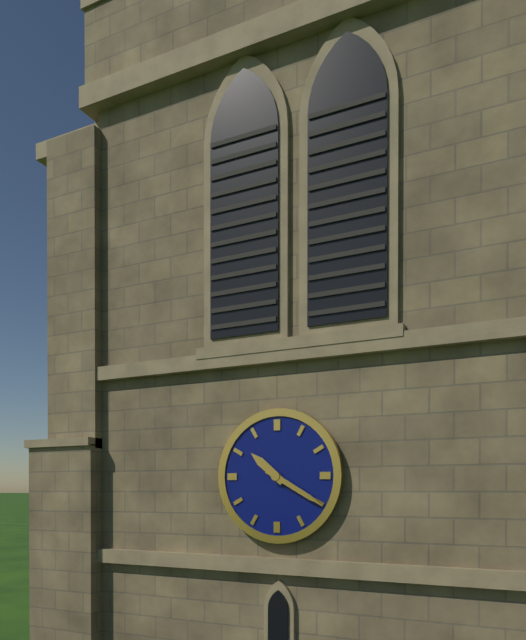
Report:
10,20
